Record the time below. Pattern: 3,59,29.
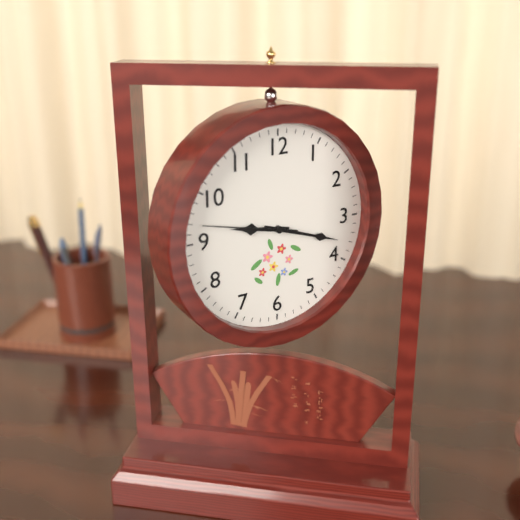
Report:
9,18,47
